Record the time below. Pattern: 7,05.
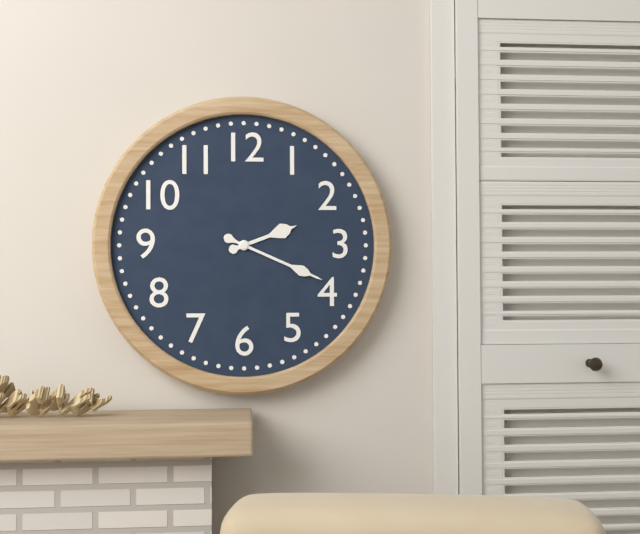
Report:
2,19
